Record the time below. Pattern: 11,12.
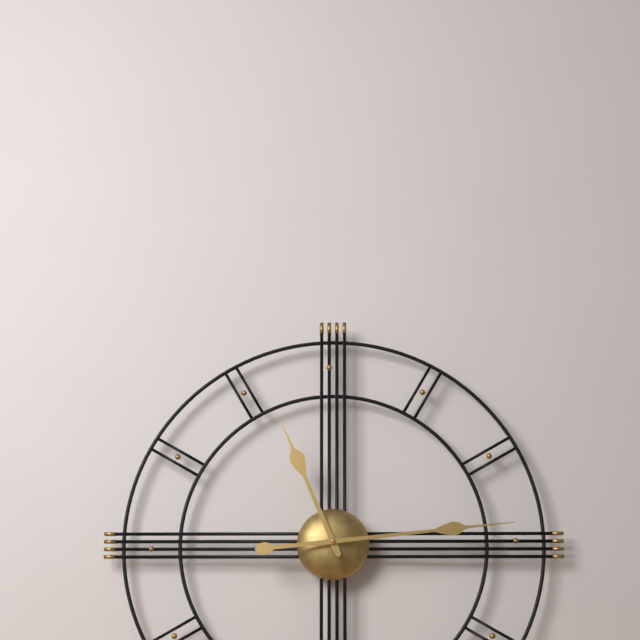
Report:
11,14
